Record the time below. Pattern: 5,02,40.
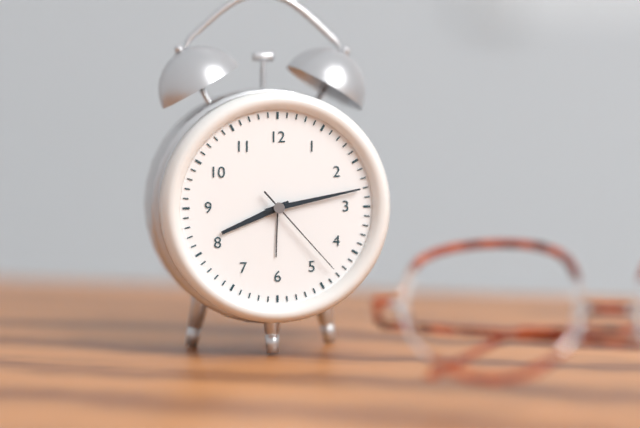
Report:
8,13,23
